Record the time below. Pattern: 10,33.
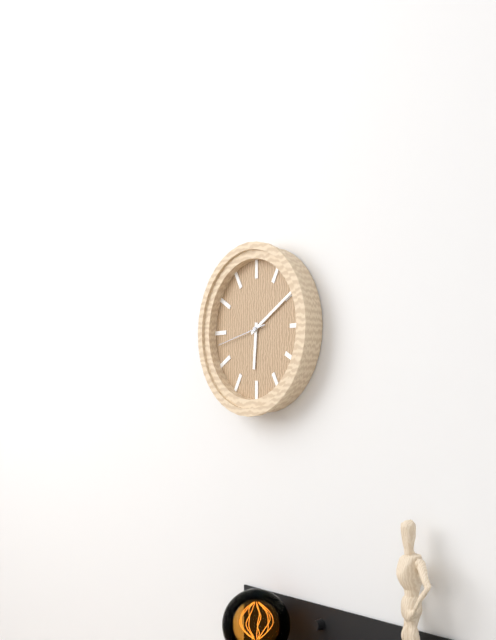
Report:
6,10
